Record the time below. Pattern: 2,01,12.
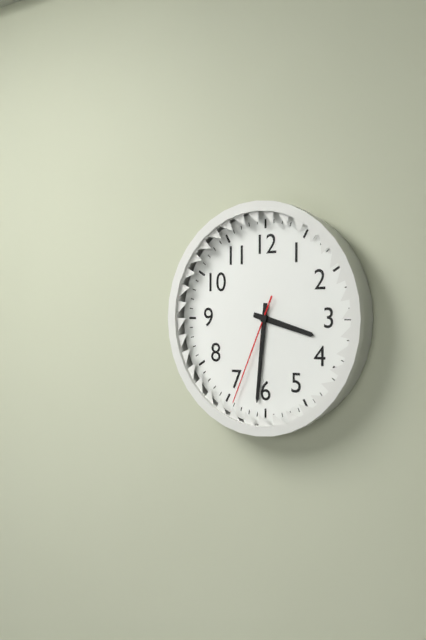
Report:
3,31,34
